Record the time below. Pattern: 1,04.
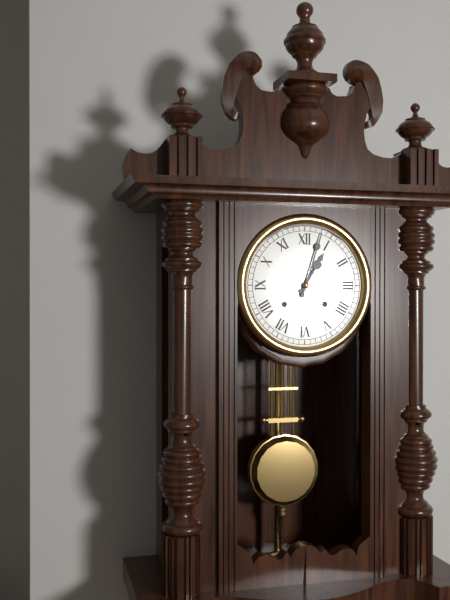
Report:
1,03
